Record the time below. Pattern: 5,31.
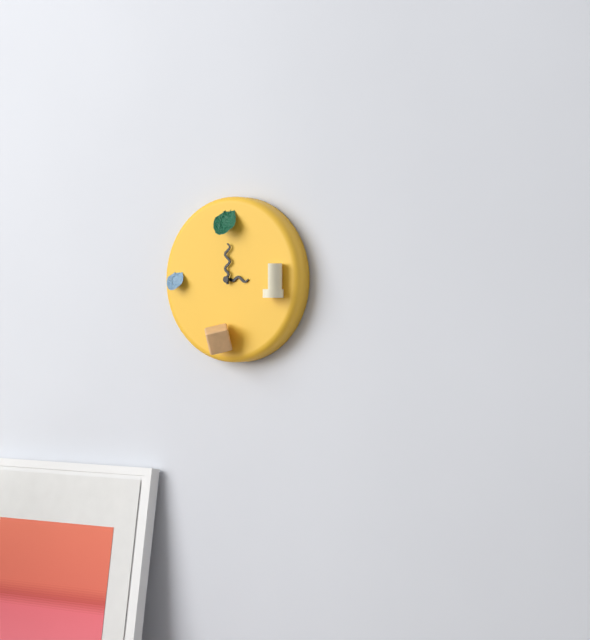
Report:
3,00
